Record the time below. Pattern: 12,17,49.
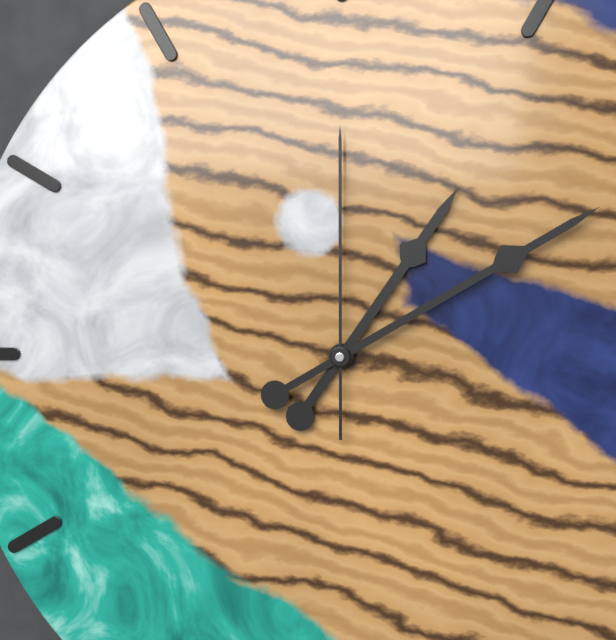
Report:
1,10,00
